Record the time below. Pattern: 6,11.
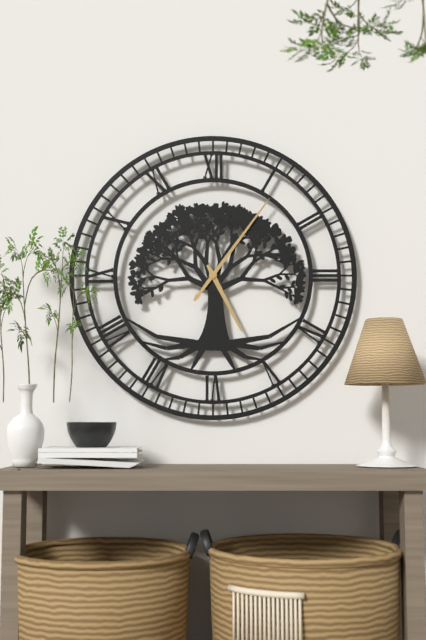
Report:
5,06
